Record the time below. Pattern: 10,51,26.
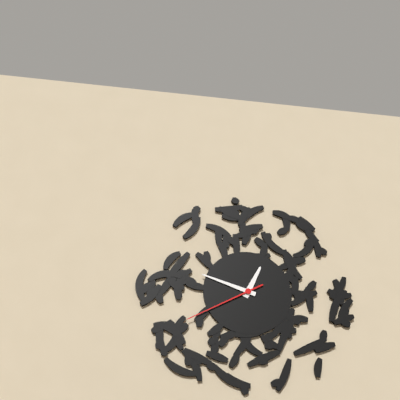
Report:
12,48,40
